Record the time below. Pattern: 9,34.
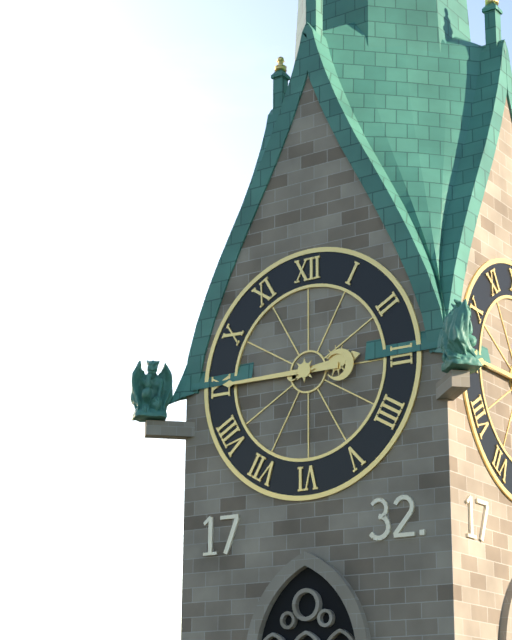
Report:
2,45
